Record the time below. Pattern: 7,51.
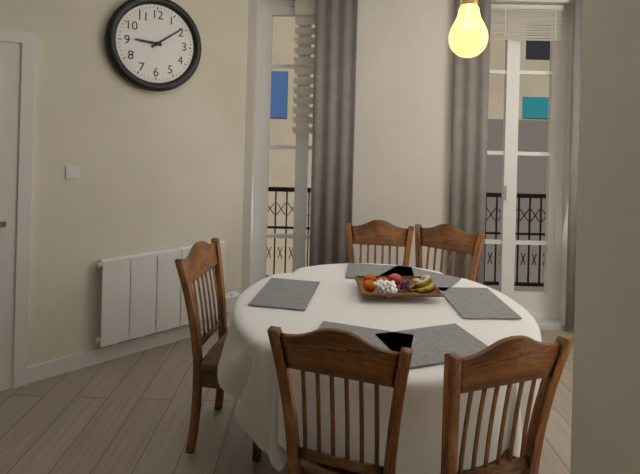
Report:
9,09
